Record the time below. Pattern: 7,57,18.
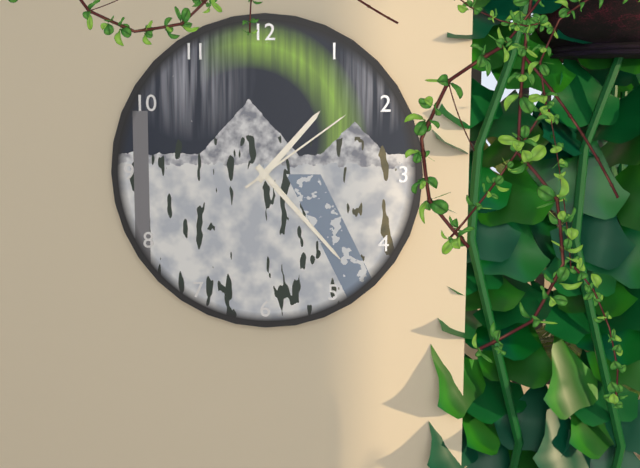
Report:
1,23,09
